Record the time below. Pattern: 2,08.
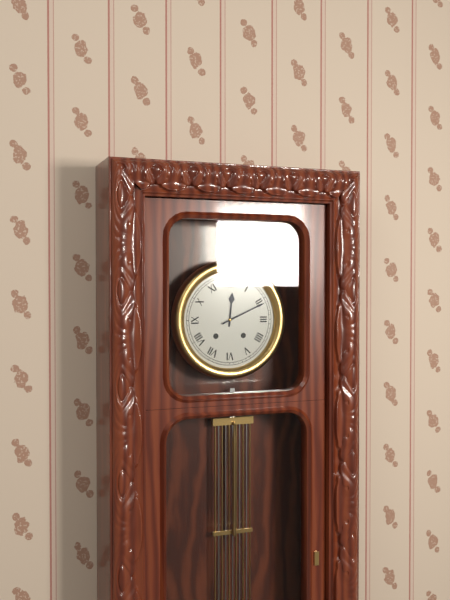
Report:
12,11
